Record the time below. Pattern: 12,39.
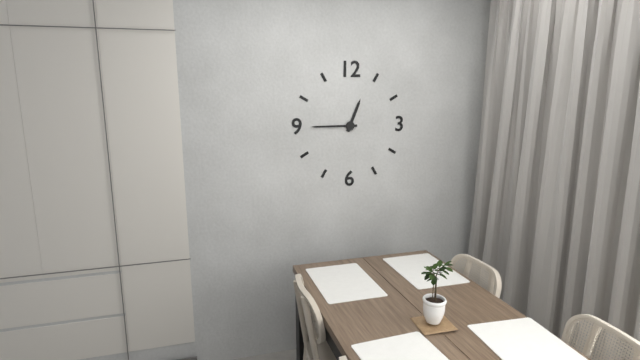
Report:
12,45
